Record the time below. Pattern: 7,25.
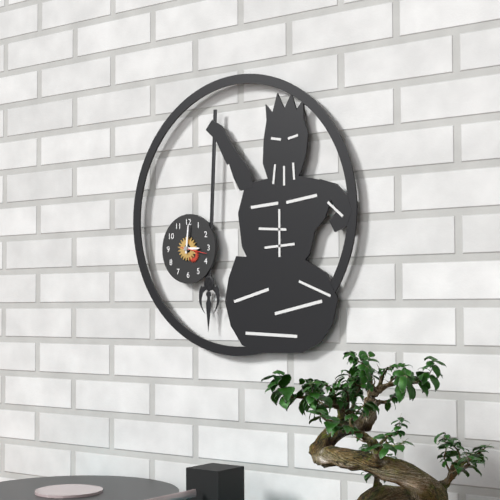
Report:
3,01
